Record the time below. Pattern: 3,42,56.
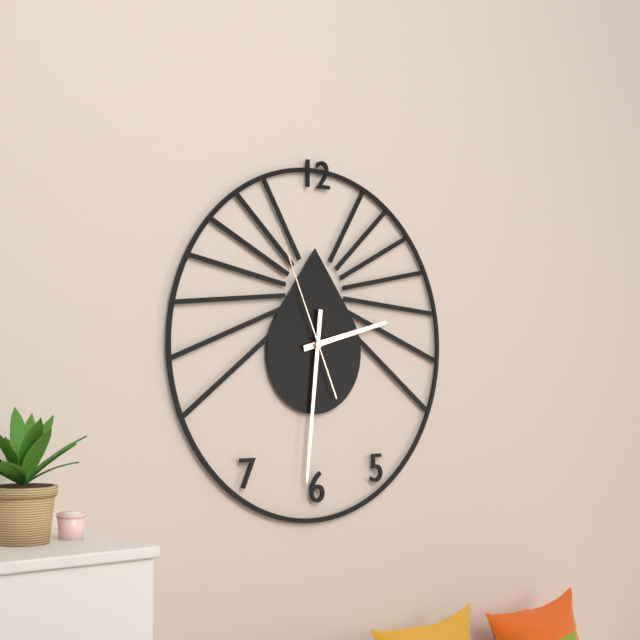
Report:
2,31,56
